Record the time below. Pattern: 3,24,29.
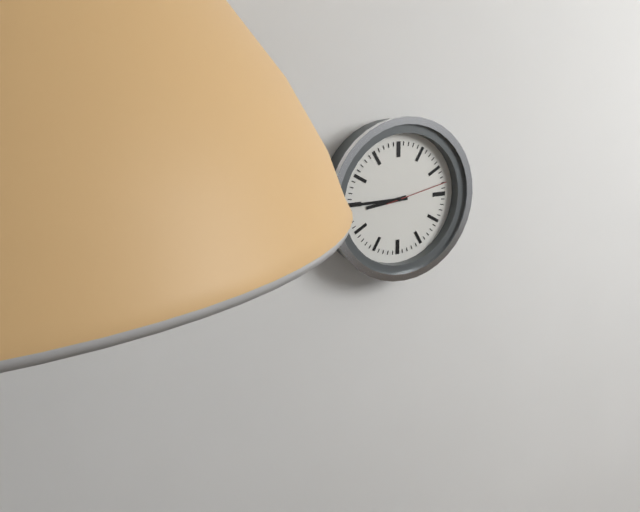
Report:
8,45,13
